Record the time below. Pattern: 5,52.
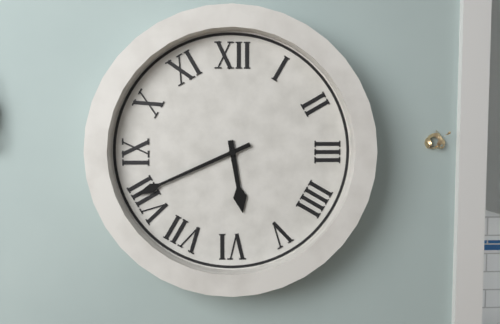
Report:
5,41
